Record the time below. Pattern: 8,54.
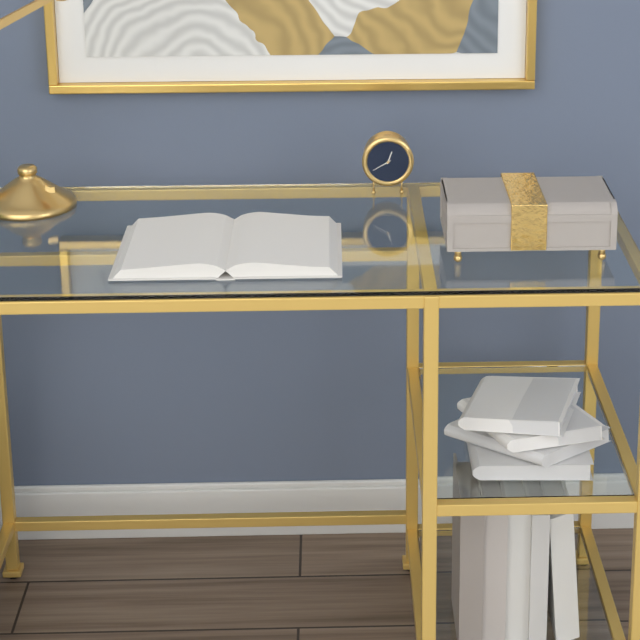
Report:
12,40
